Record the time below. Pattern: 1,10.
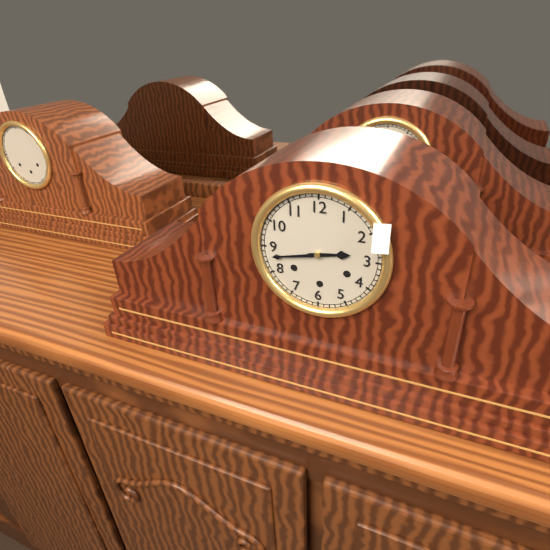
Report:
2,43
